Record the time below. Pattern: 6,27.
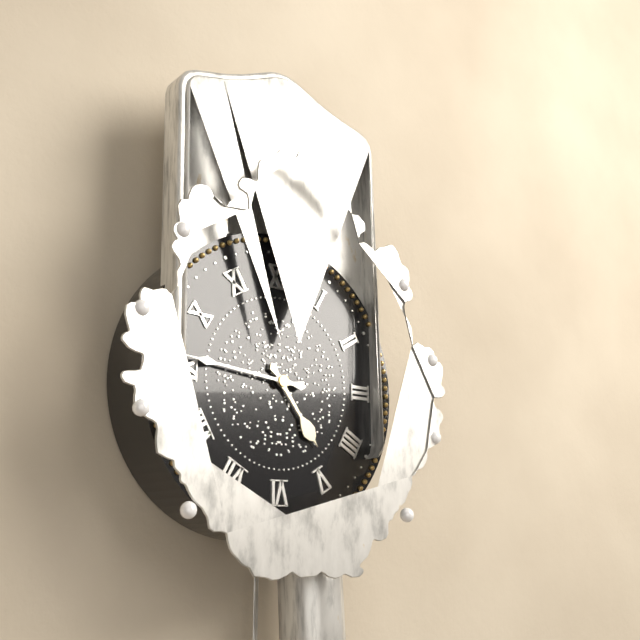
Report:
4,46
